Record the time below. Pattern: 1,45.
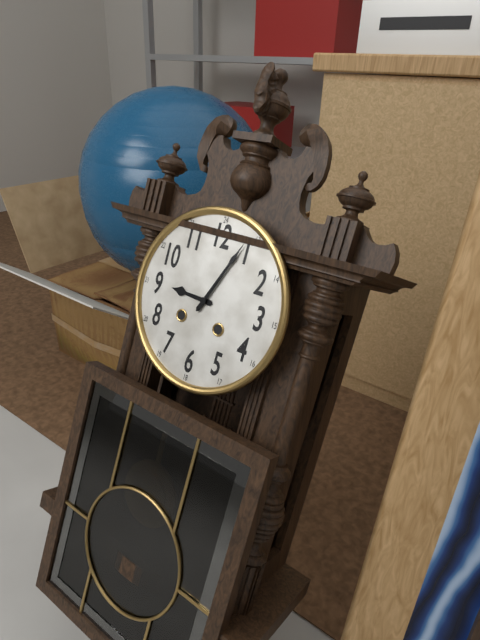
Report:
9,04
